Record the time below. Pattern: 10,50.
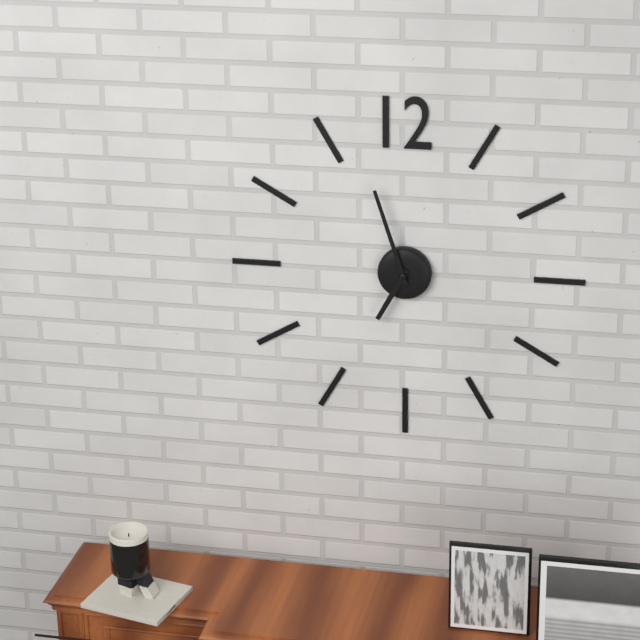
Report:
6,57
